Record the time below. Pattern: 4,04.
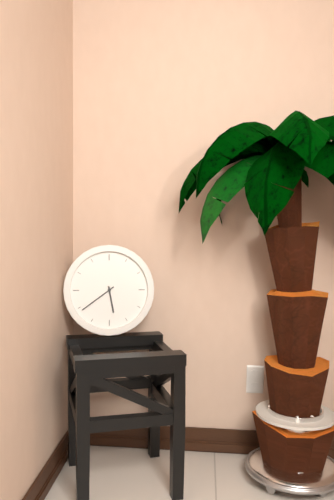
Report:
5,39
